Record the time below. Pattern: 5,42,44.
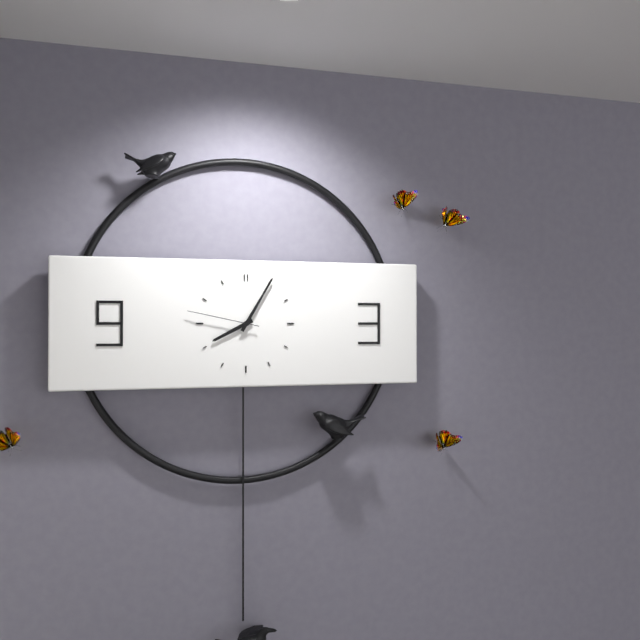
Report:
8,05,47
